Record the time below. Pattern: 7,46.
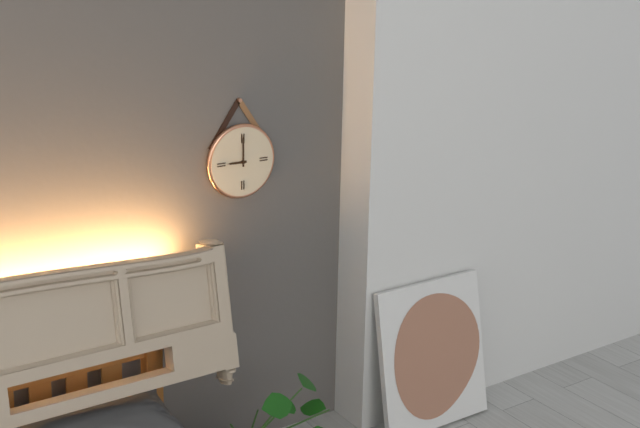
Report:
9,00
